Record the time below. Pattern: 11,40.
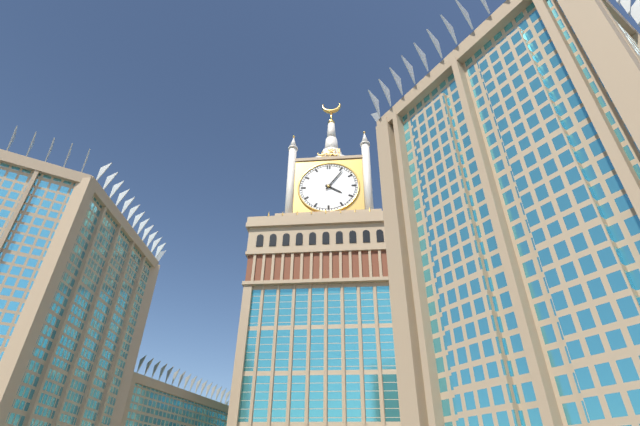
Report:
4,06
